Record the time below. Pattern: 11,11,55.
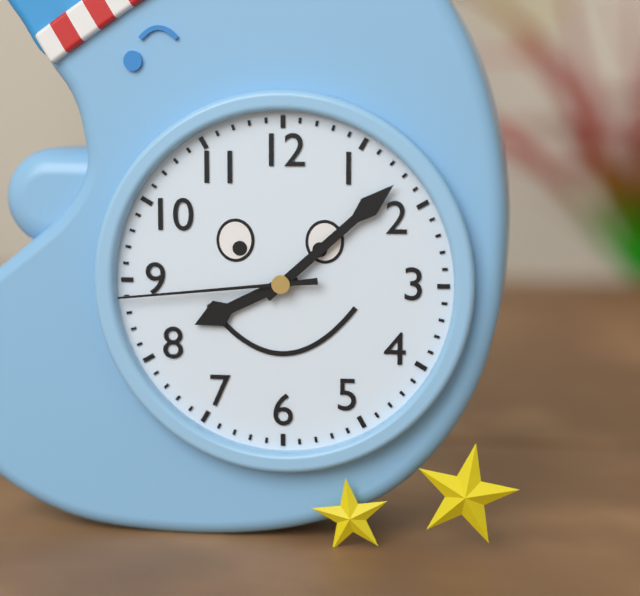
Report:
8,08,44
